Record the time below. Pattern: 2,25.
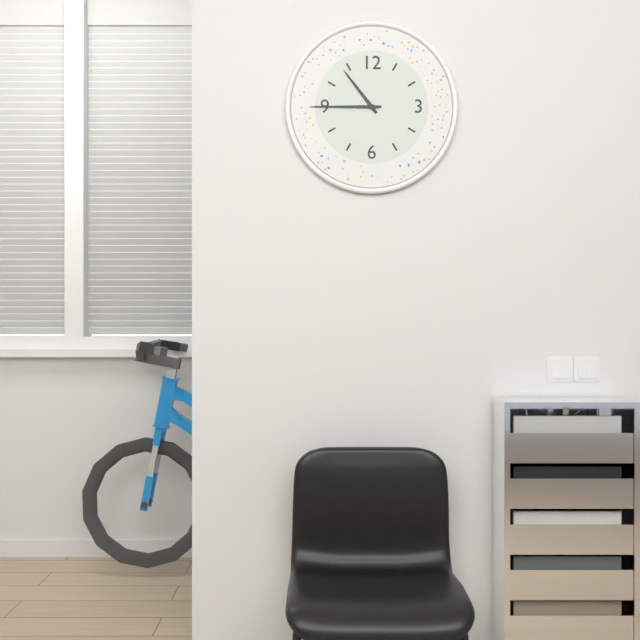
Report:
10,45
